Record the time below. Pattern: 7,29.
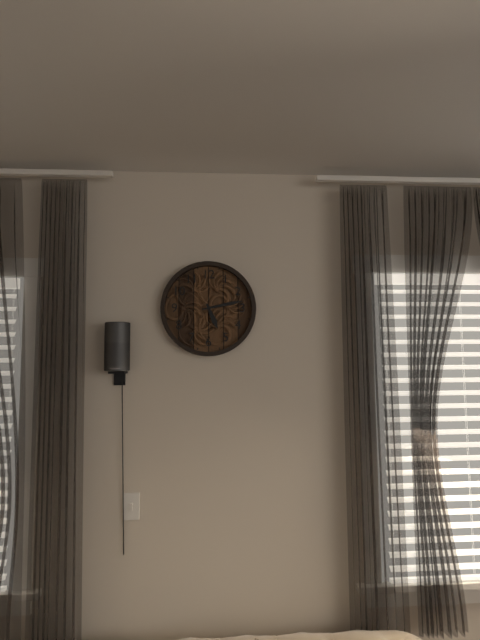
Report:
5,13
